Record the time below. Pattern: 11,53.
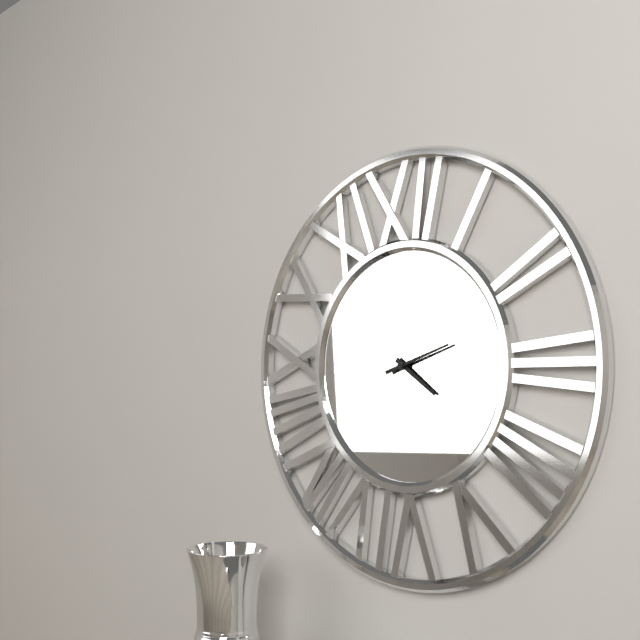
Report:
4,12
